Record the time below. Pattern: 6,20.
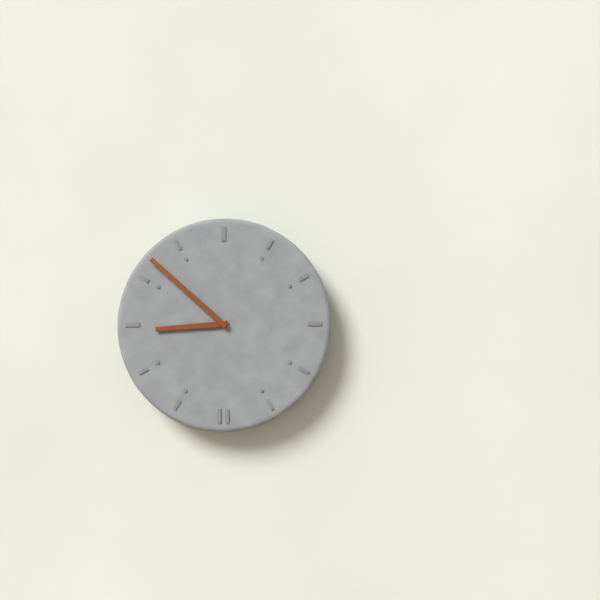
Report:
8,52
